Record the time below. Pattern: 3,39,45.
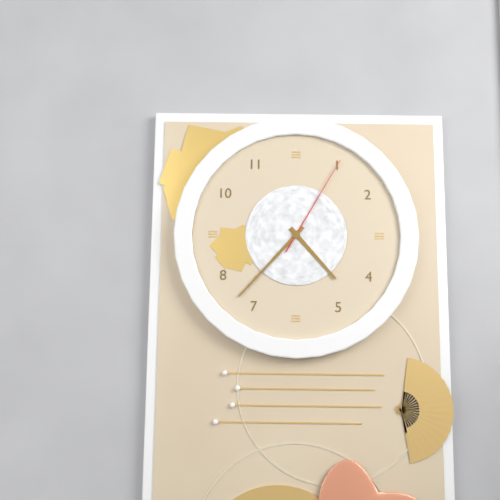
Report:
4,37,05
